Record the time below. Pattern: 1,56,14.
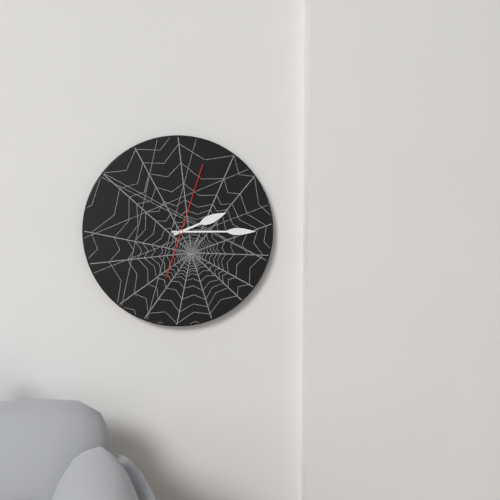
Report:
2,15,03
